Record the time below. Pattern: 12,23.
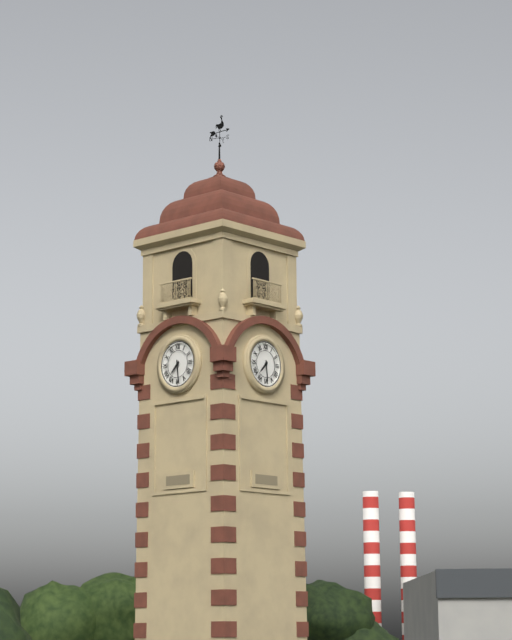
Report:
7,29
